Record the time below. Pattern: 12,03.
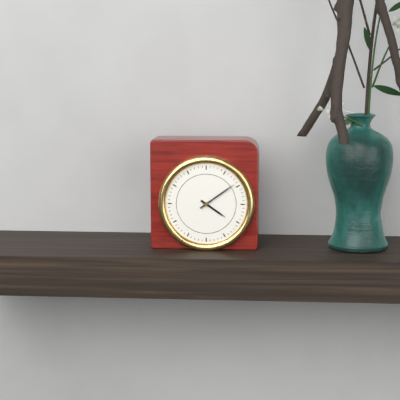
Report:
4,09
